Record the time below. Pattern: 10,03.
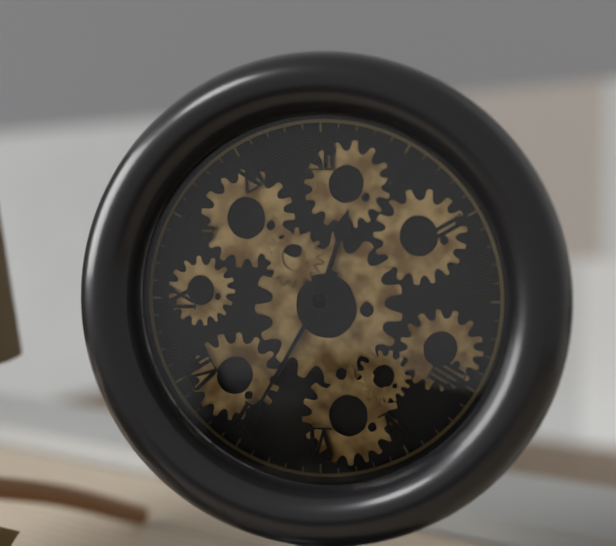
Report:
12,35
